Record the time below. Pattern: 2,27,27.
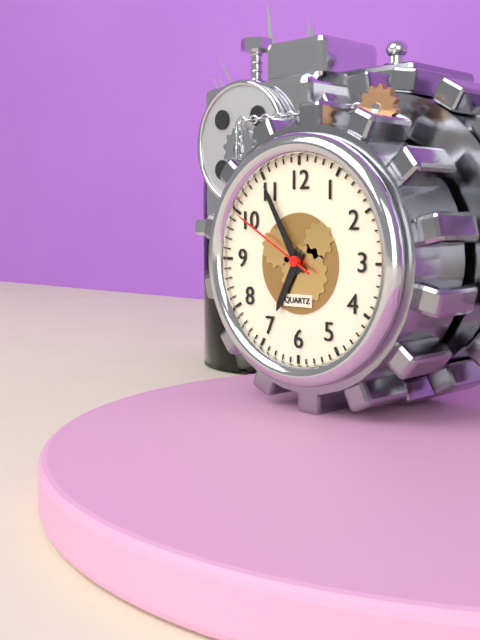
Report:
6,55,50
